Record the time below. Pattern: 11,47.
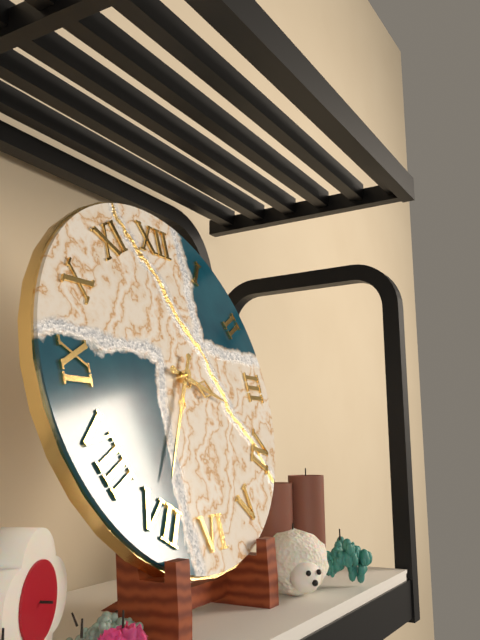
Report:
3,35
